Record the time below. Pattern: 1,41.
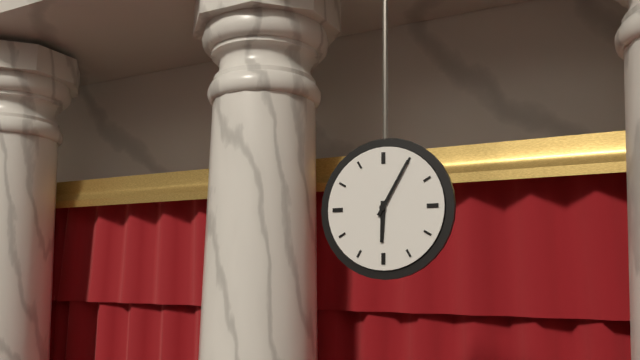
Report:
6,05
